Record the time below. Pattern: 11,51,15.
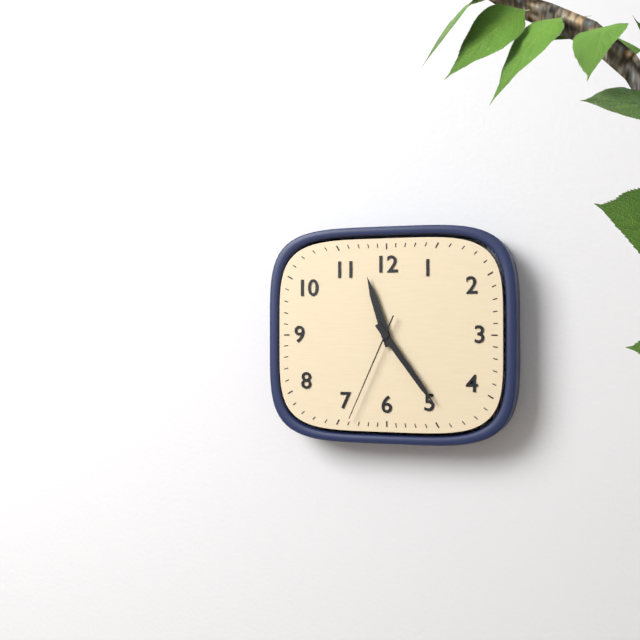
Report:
11,24,34
